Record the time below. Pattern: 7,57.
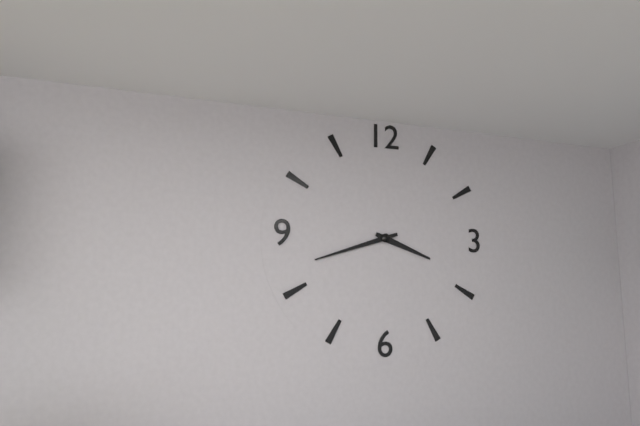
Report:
3,42
